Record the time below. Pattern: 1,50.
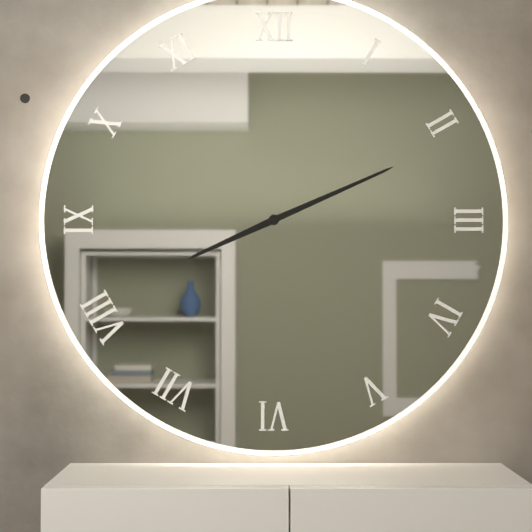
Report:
8,11
